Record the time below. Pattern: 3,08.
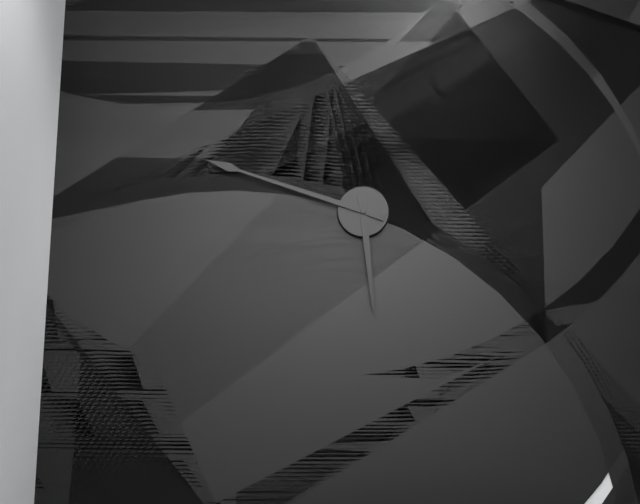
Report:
5,48
